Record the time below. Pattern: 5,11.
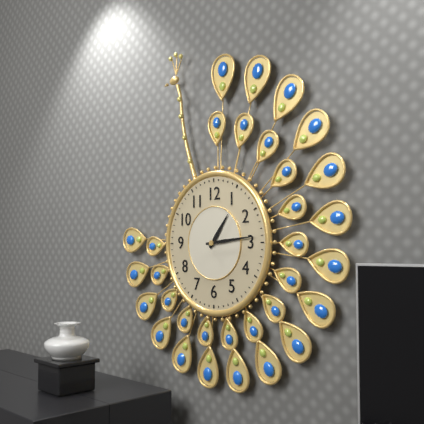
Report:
1,14
